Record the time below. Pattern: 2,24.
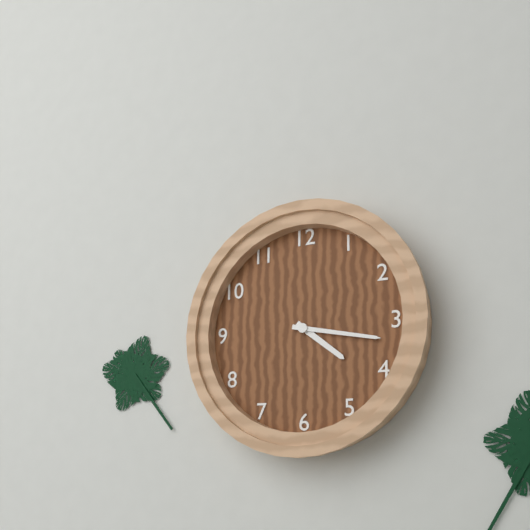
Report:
4,17
